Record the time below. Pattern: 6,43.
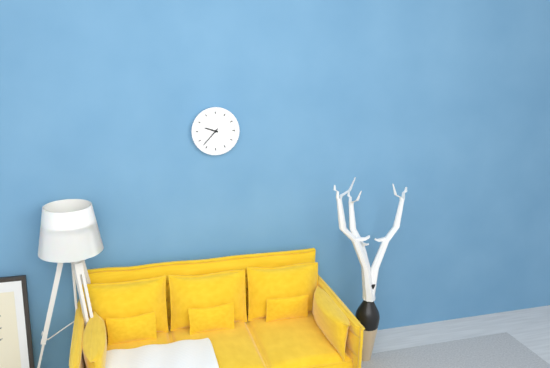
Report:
9,37
